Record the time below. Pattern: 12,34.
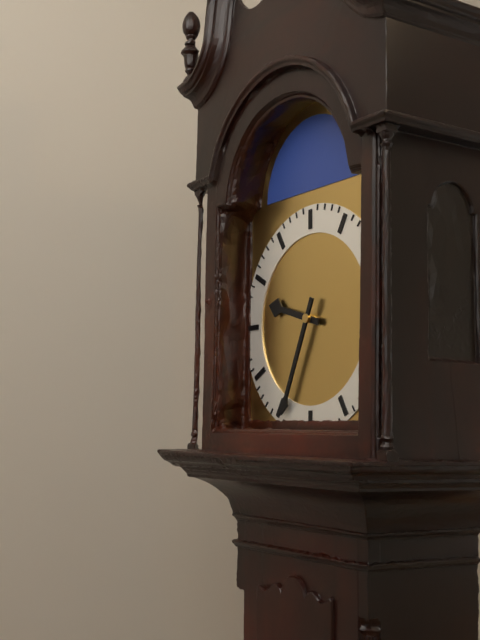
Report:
9,34
